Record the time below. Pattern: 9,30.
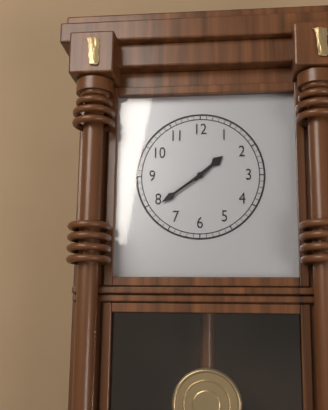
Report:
1,39
